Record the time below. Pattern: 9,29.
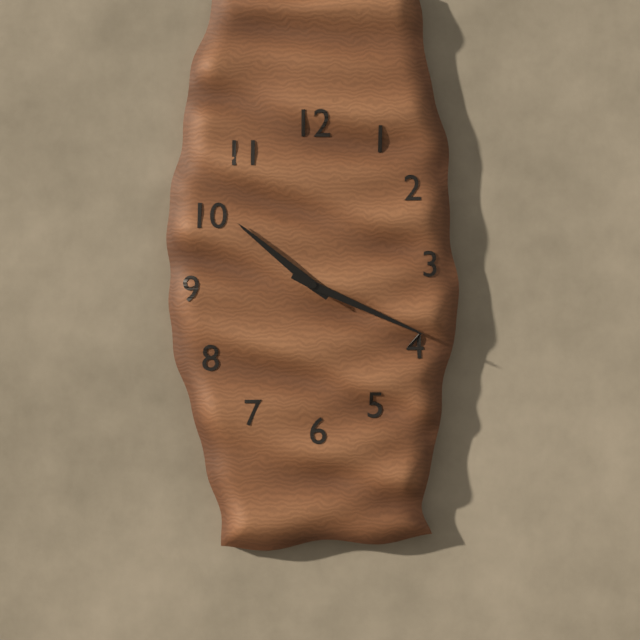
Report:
10,19
